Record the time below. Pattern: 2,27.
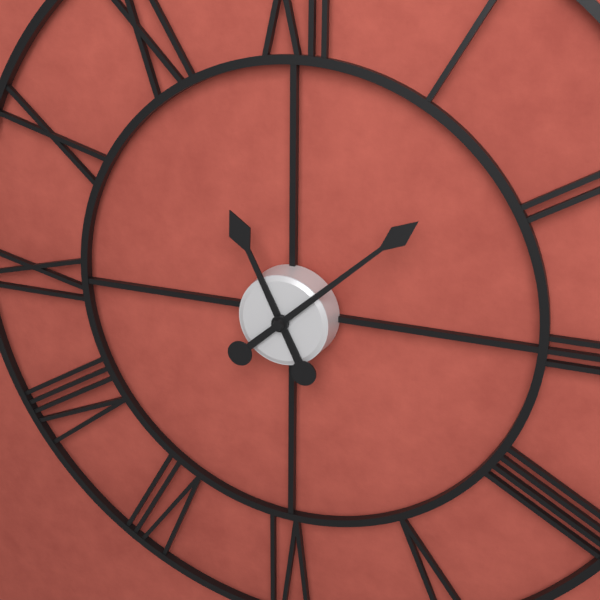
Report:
11,08
